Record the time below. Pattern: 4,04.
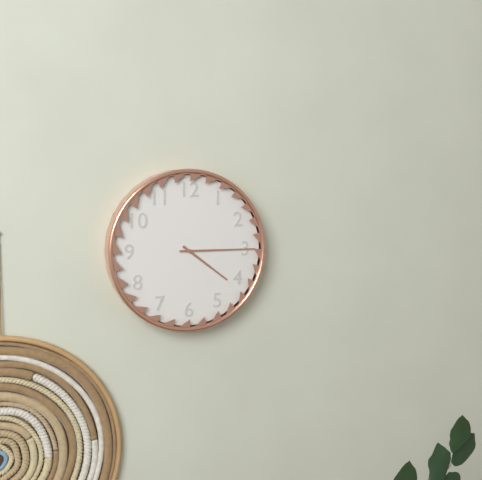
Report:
4,15
